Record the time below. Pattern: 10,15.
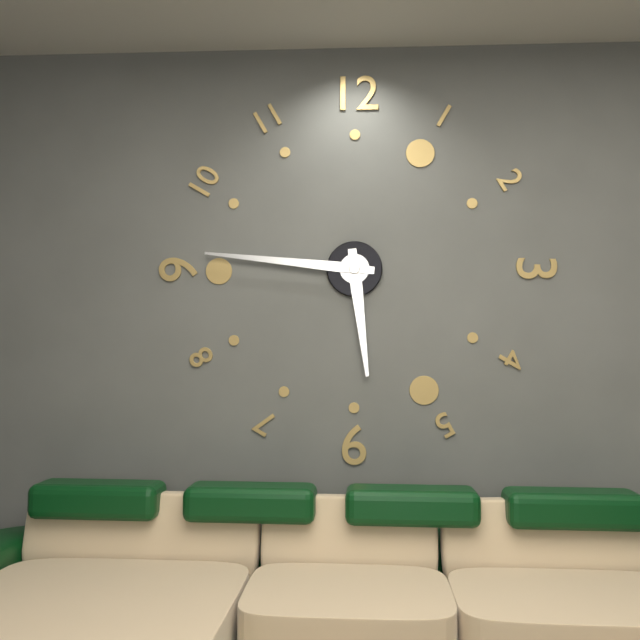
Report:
5,46
